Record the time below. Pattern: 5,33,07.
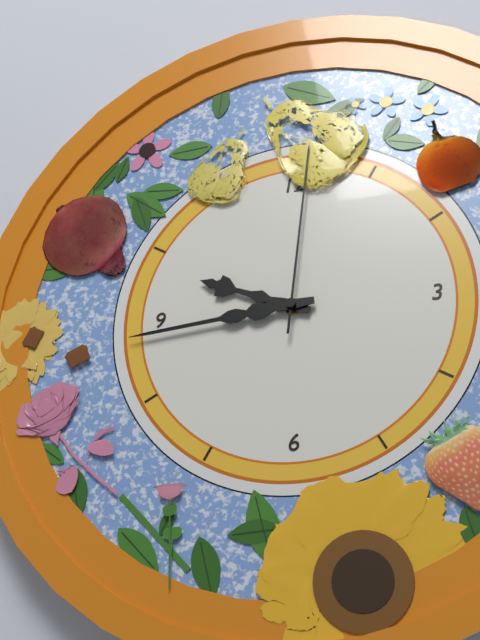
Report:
9,44,01
